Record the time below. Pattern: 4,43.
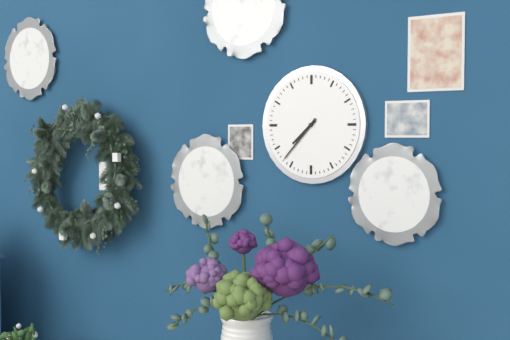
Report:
7,37
